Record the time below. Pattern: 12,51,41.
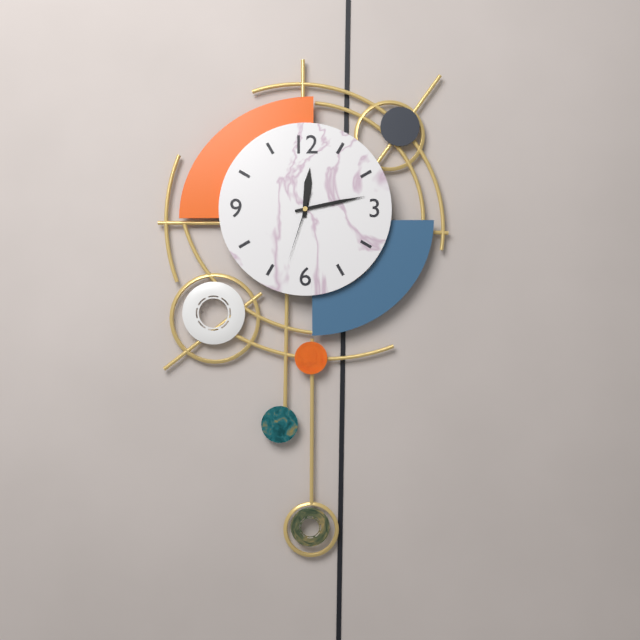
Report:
12,13,33
